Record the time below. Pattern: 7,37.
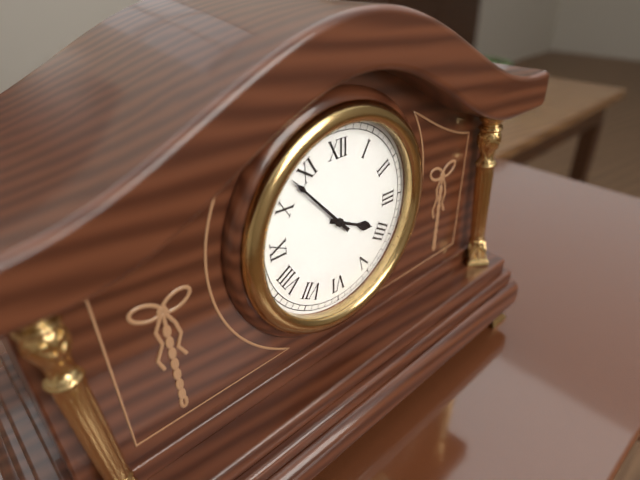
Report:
3,53
